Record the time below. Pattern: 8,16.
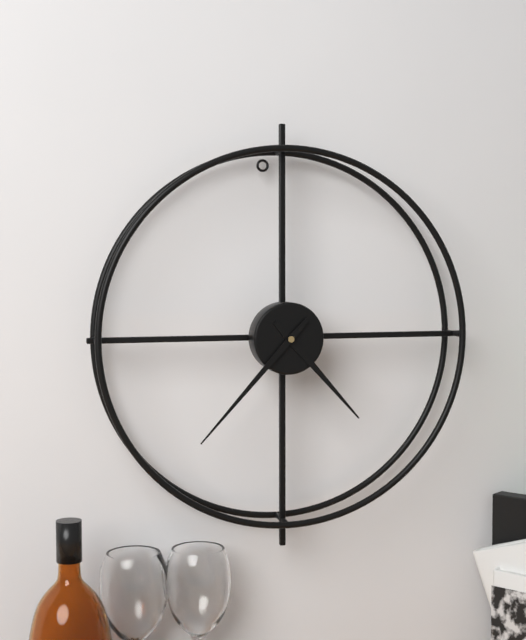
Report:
4,37
